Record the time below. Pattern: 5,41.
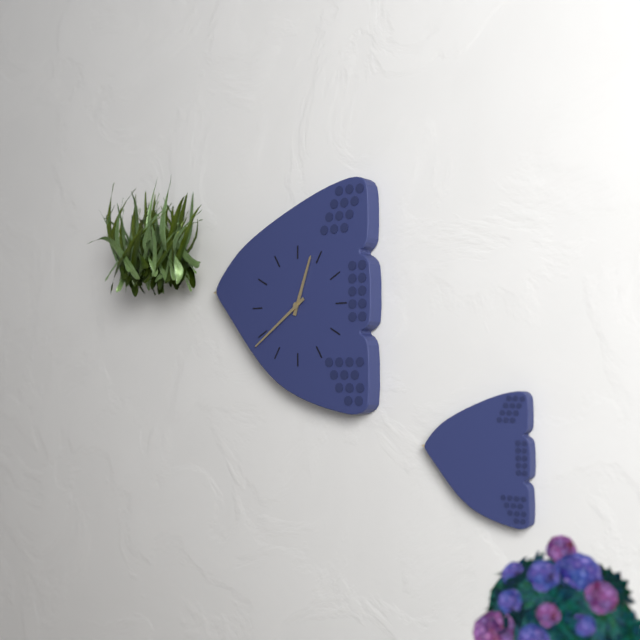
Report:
12,39
